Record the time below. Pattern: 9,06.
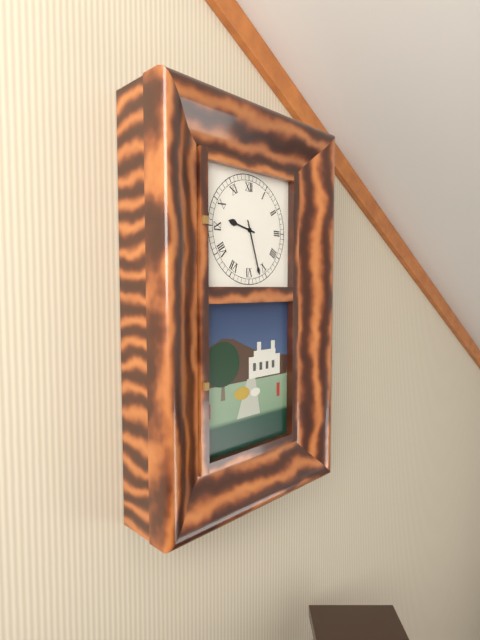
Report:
9,27
